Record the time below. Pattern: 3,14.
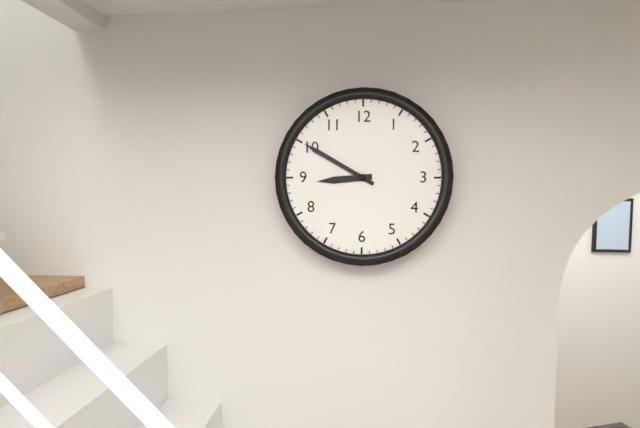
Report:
8,50
